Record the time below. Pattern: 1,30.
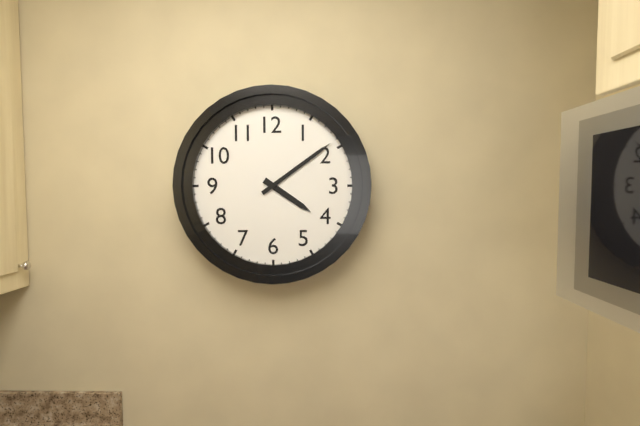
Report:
4,09
